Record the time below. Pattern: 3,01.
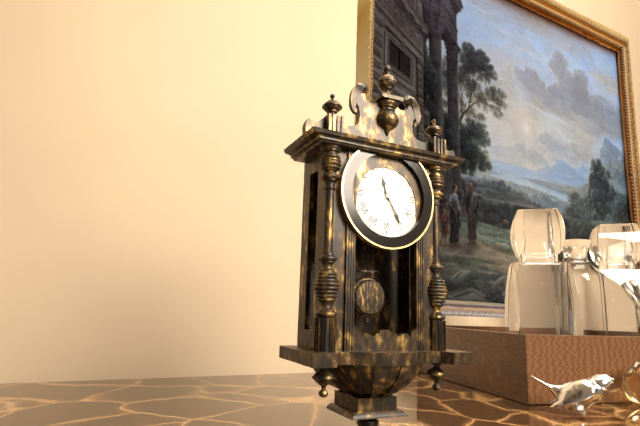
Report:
11,25
